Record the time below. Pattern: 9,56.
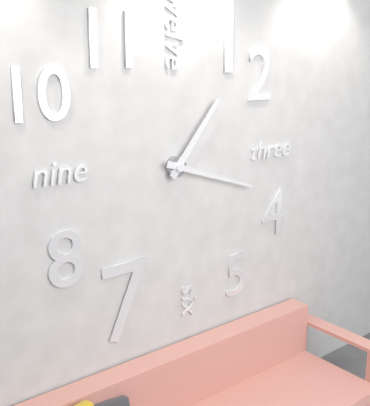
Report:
1,18
